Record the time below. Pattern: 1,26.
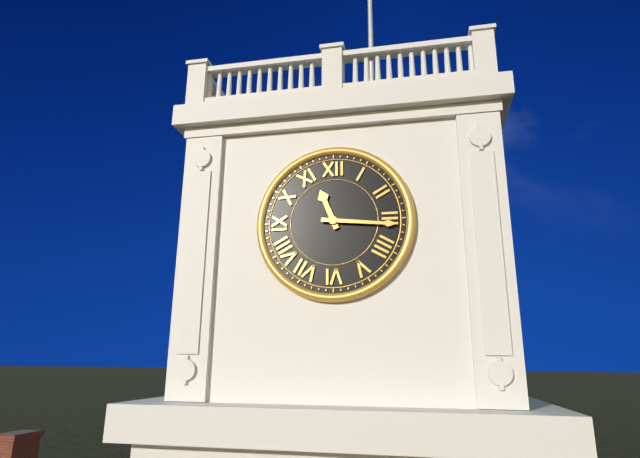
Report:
11,16
